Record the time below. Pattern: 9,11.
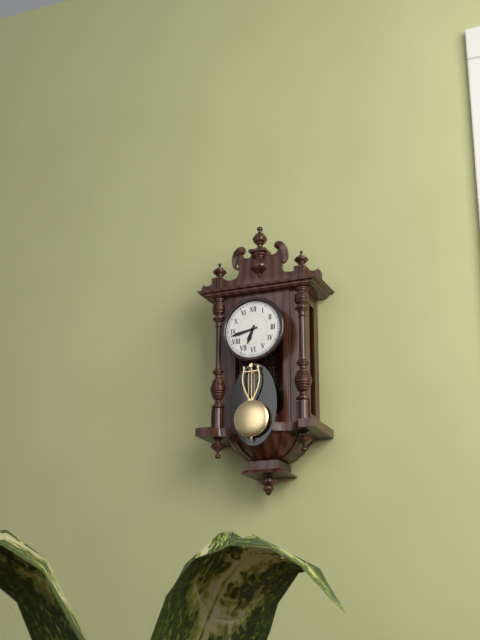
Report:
6,43
